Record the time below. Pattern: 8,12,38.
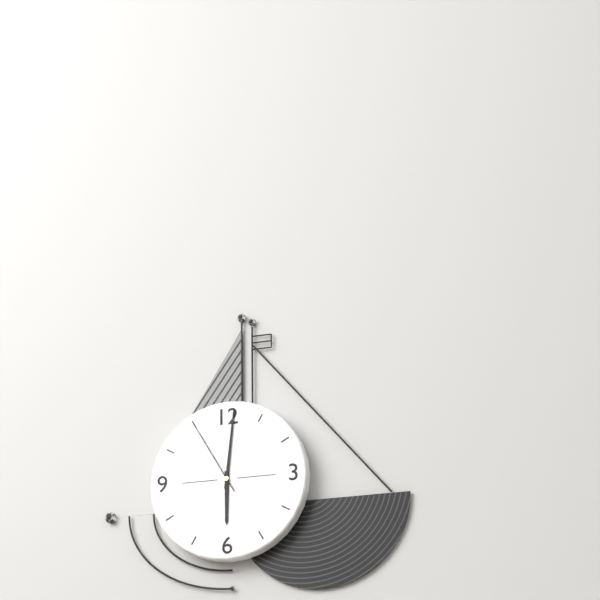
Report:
6,01,55
